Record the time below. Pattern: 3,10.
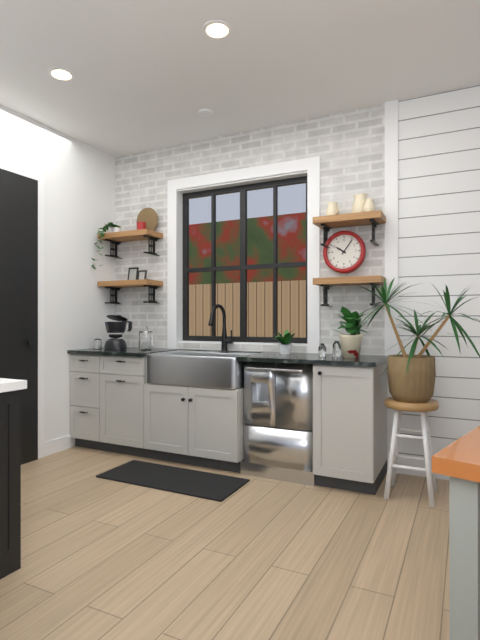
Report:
10,06
